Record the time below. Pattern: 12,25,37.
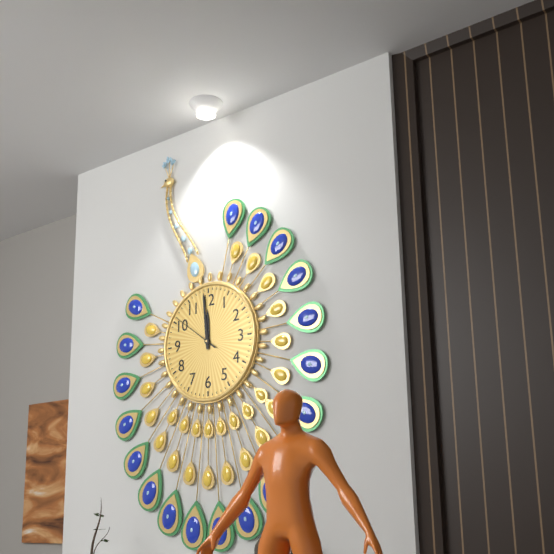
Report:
11,59,51
